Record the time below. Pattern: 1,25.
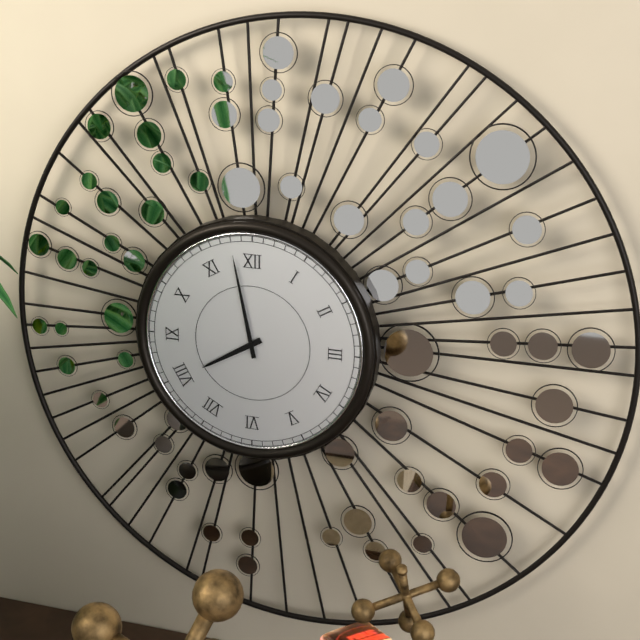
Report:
7,58
